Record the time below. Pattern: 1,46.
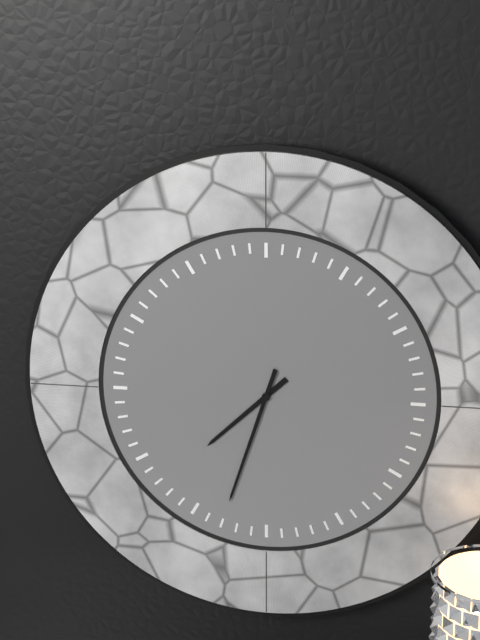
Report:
7,33
